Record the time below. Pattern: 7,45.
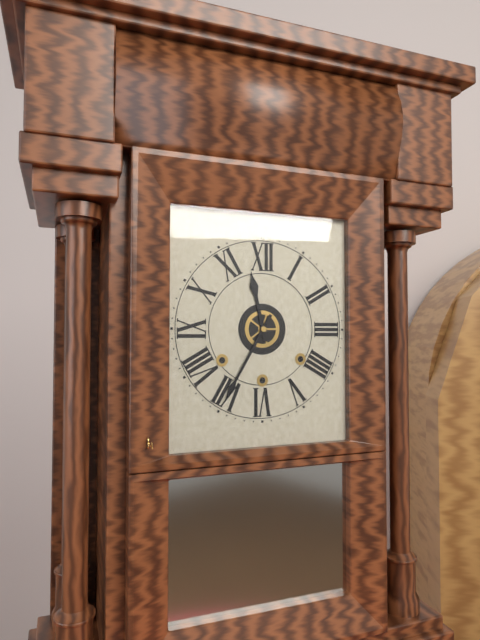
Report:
11,35
